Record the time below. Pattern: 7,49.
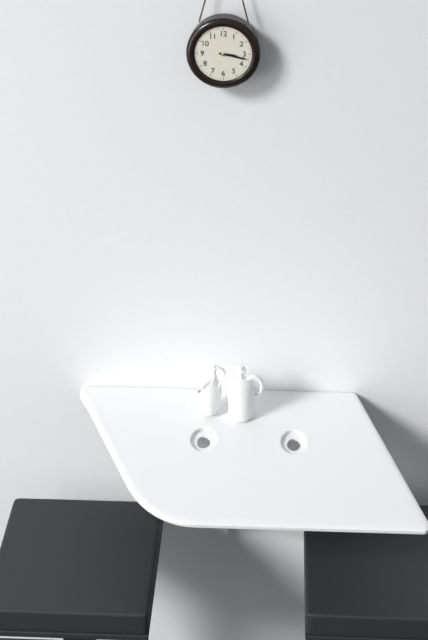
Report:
3,17
